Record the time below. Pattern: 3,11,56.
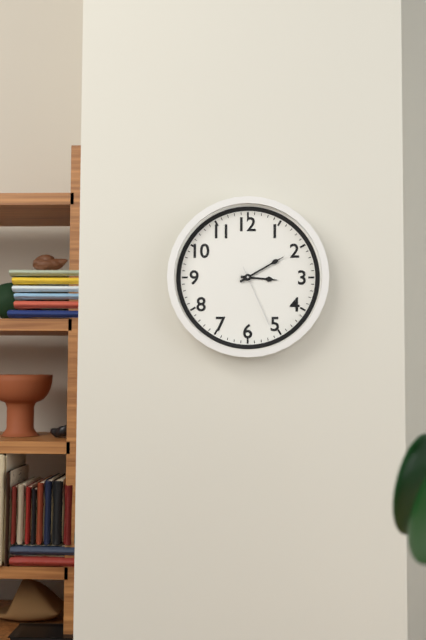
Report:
3,10,26
